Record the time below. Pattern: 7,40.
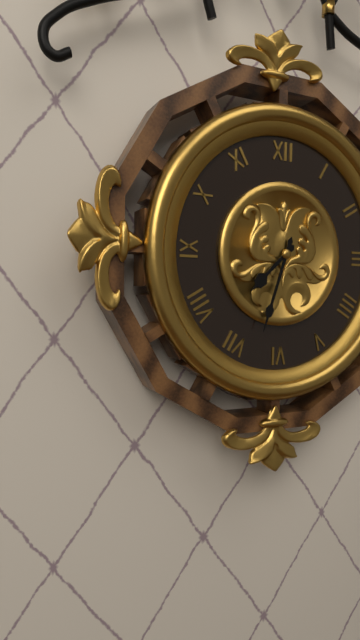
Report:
7,33
